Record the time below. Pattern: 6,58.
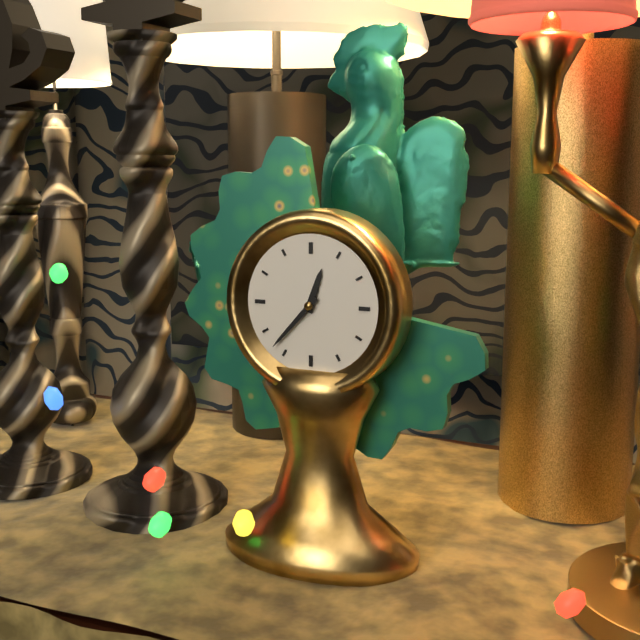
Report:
12,37
